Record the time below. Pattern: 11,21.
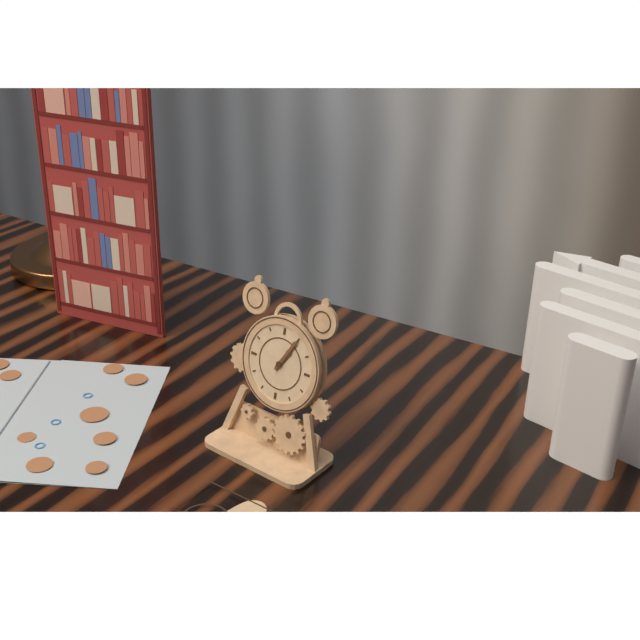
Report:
1,05
